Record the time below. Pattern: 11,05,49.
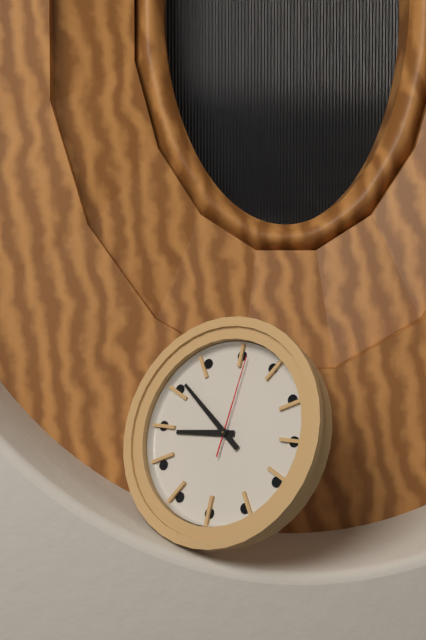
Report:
8,51,01
